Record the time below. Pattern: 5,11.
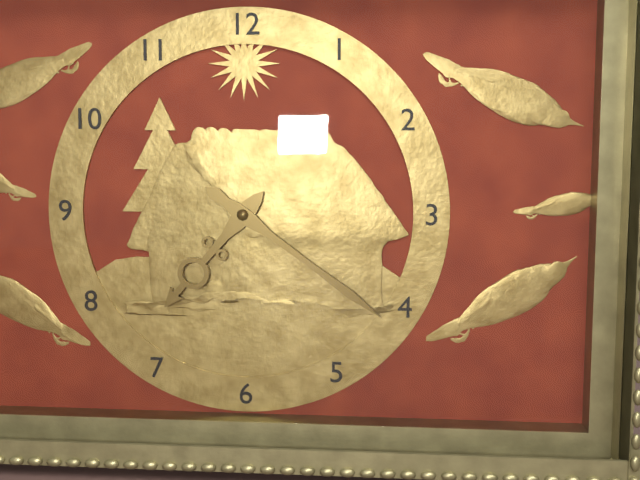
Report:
7,21
